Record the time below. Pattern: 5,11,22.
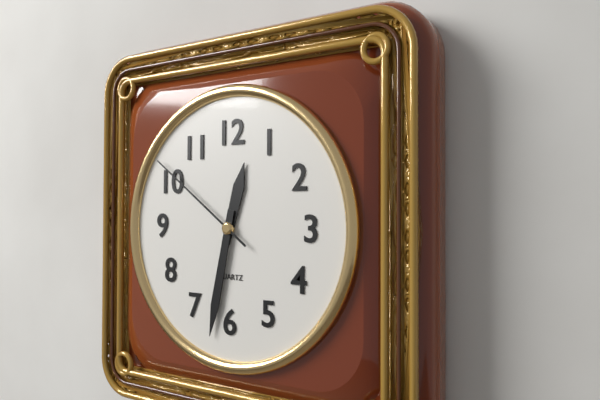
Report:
12,32,51
